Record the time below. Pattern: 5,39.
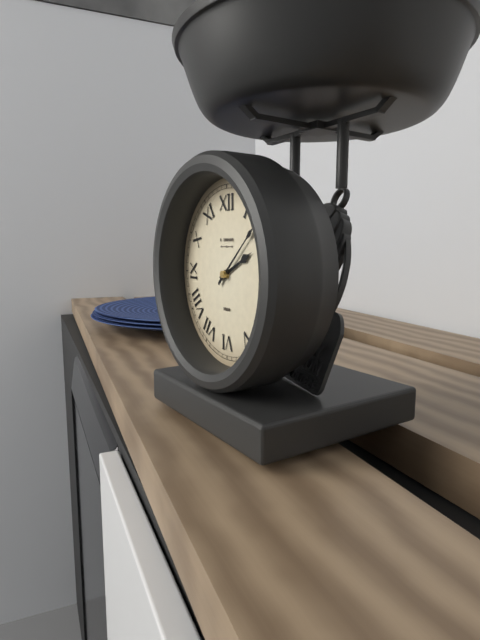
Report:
2,08
